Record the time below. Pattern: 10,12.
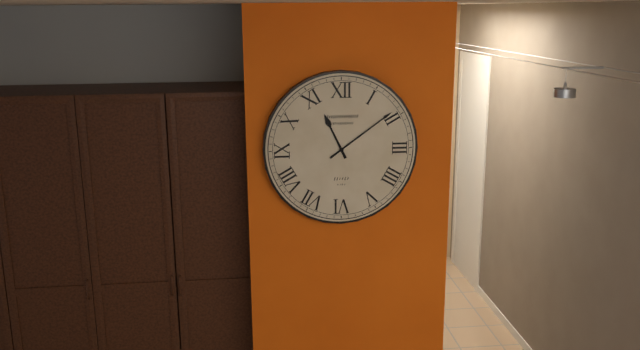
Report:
11,09
